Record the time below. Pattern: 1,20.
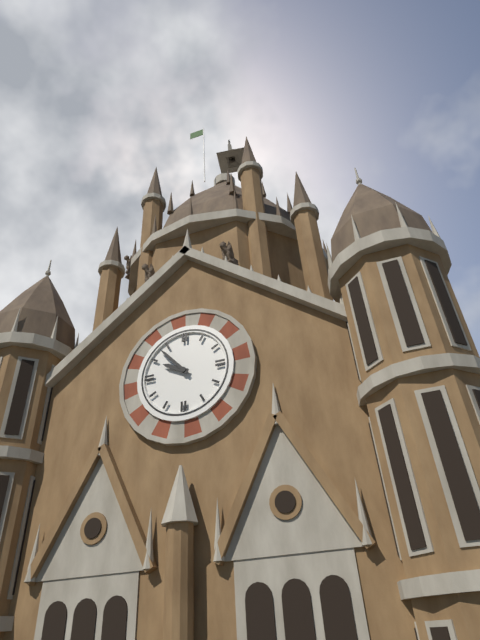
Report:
9,53
